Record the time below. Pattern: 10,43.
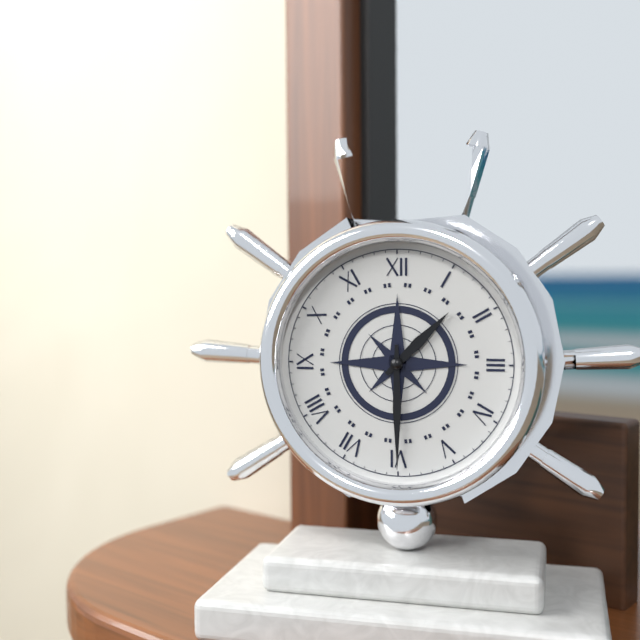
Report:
1,30
